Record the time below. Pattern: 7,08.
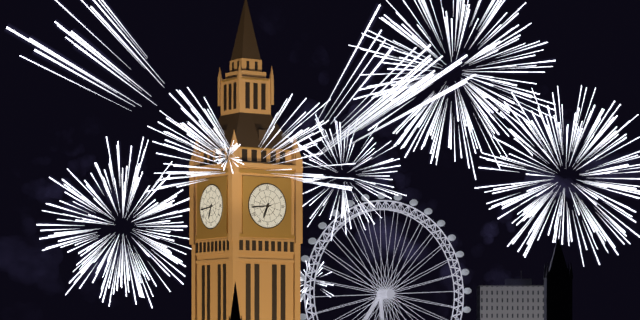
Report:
6,44
